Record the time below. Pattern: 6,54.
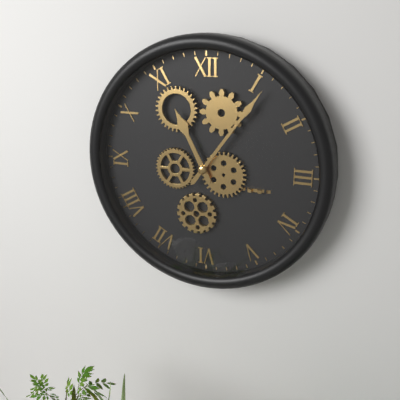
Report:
11,06
